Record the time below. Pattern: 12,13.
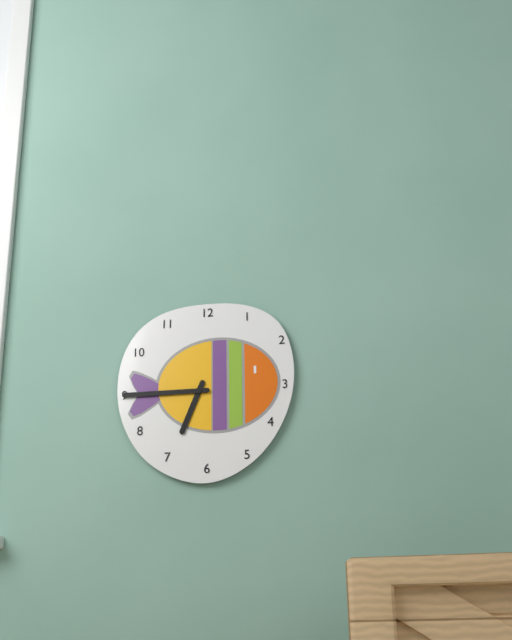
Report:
6,45
